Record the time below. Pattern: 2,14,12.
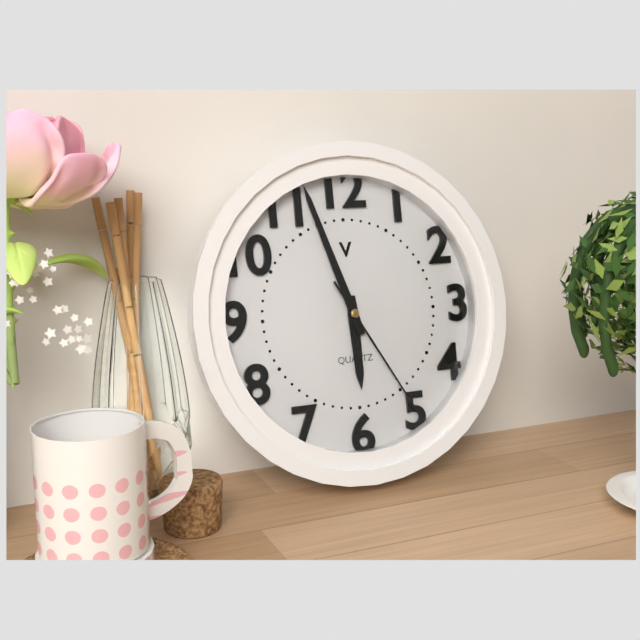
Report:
5,57,25
